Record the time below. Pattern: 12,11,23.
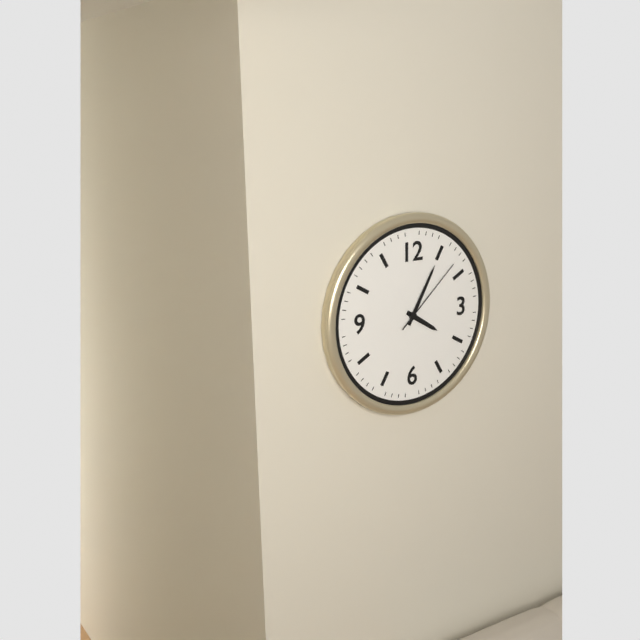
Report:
4,05,08
